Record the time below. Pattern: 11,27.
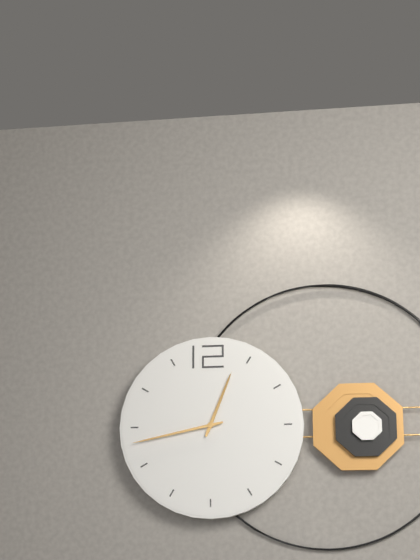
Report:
12,43
